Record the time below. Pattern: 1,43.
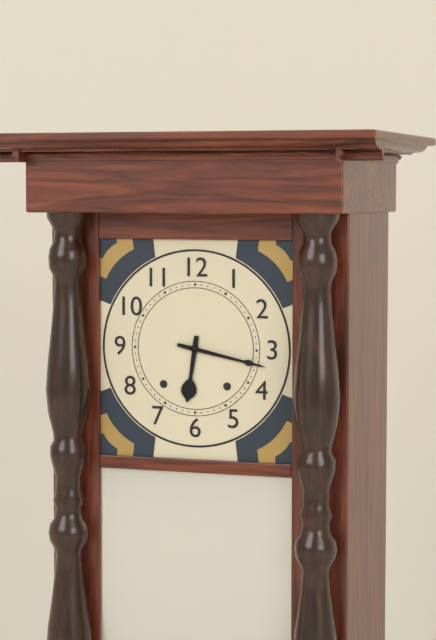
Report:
6,17
